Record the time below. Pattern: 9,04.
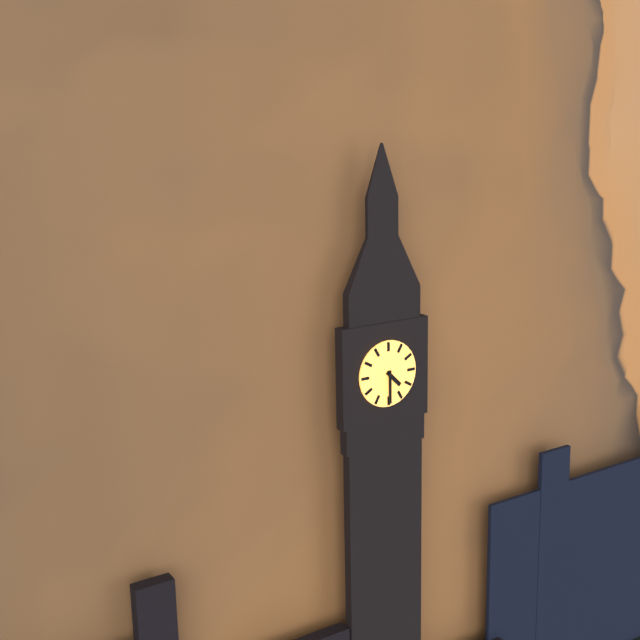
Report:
4,30
